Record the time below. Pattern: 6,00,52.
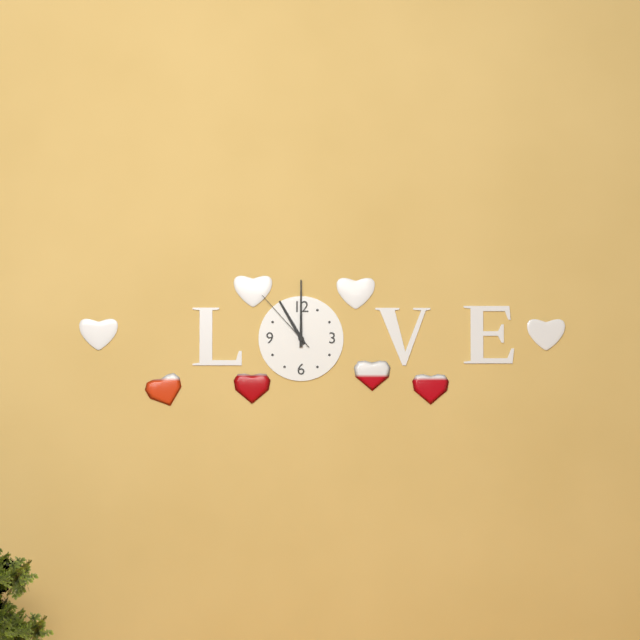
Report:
11,00,53
